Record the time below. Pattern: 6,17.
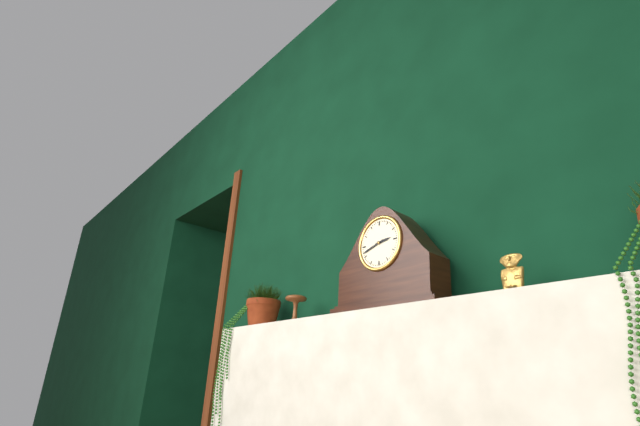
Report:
2,42
